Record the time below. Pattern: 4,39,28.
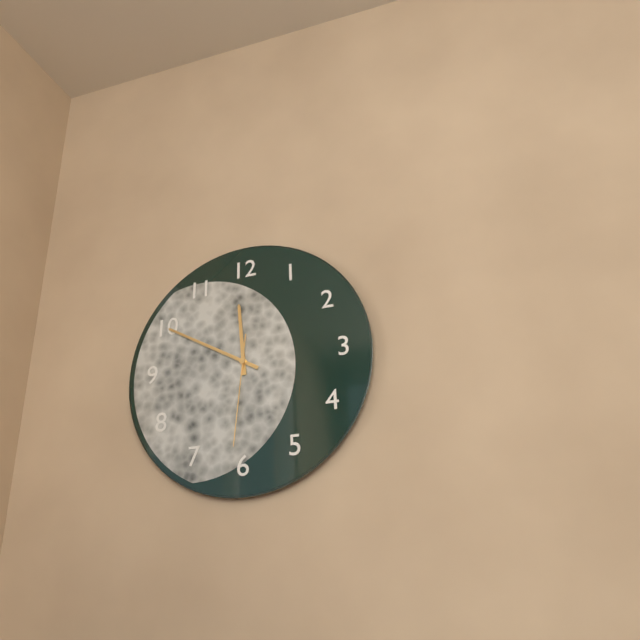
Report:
11,50,31
